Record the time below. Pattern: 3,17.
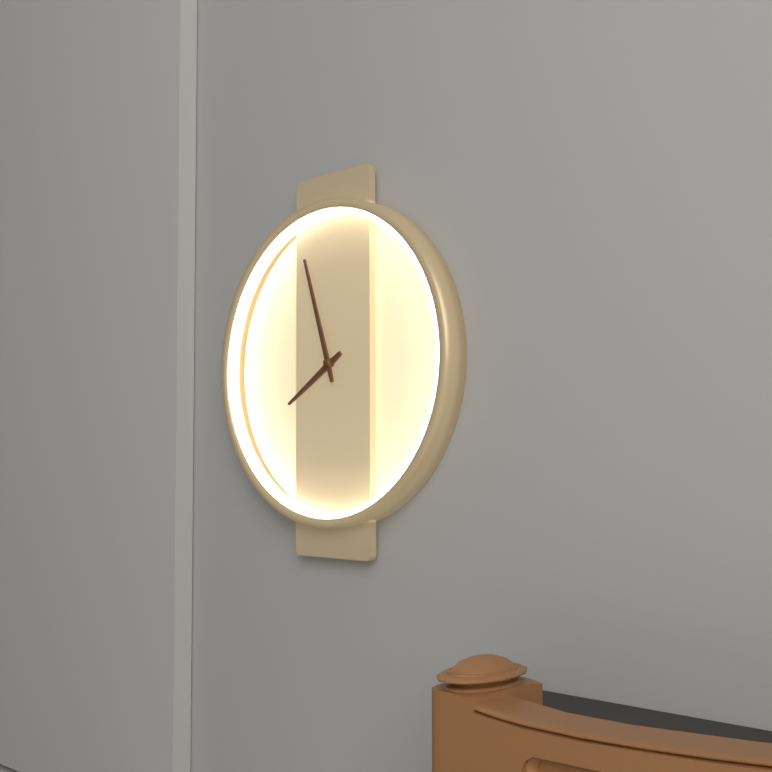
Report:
7,57
